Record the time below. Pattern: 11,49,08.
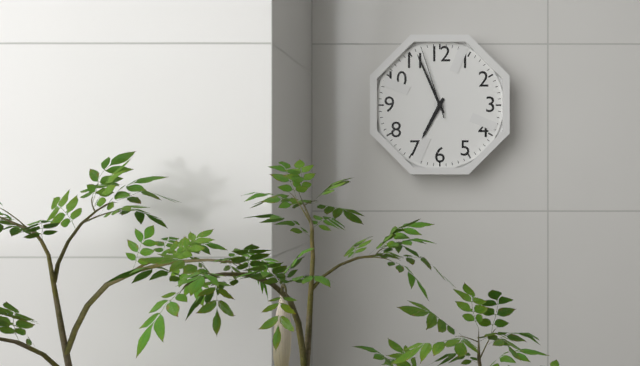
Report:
6,56,57
